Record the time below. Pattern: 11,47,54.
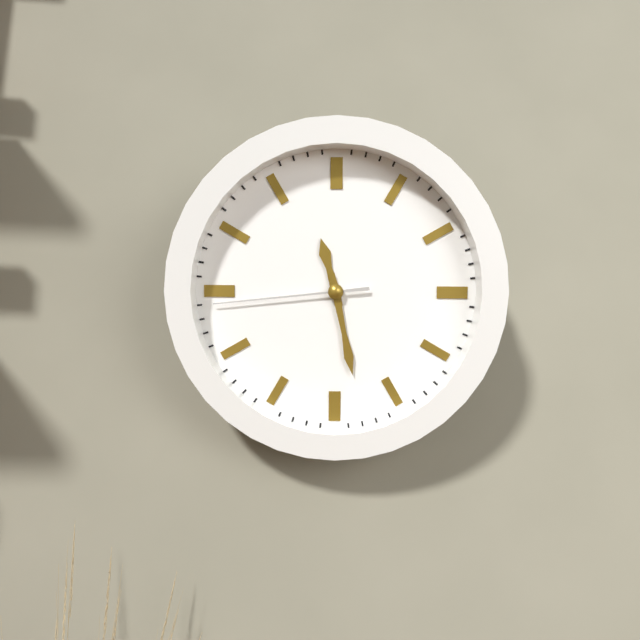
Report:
11,28,44
